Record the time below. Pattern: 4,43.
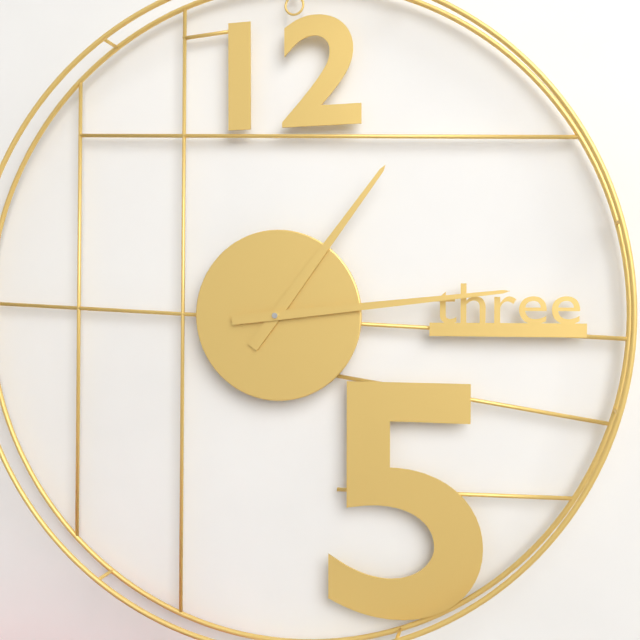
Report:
1,14
